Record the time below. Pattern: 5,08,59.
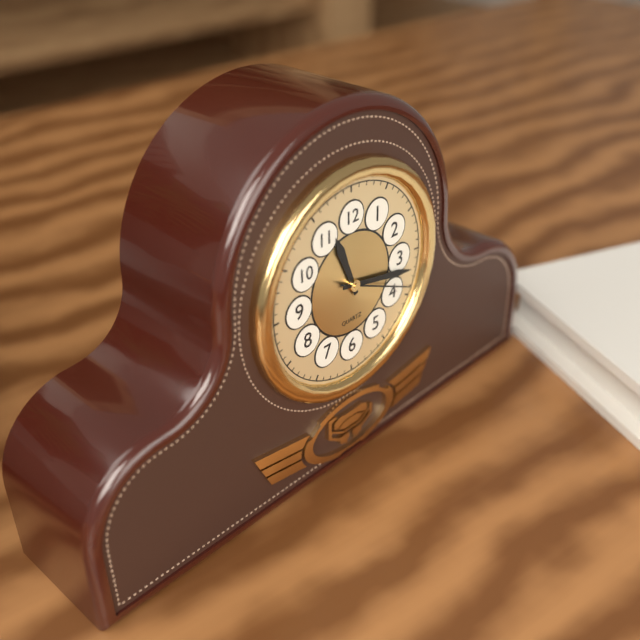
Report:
11,17,19
